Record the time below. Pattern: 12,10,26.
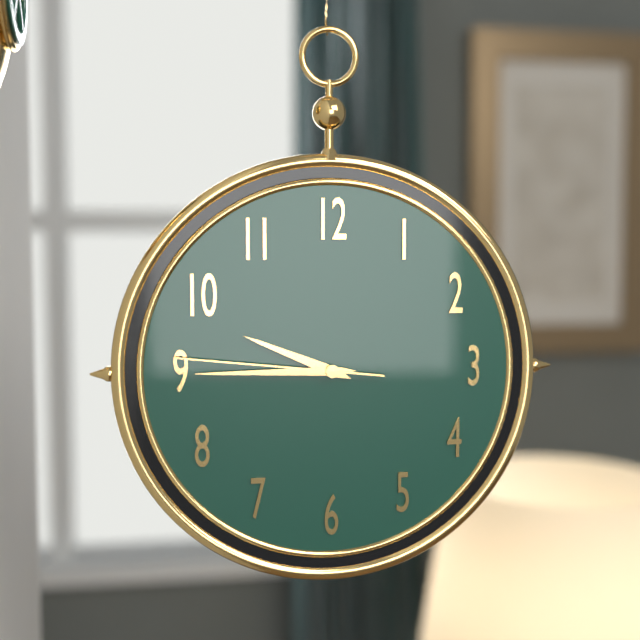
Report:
9,45,46
